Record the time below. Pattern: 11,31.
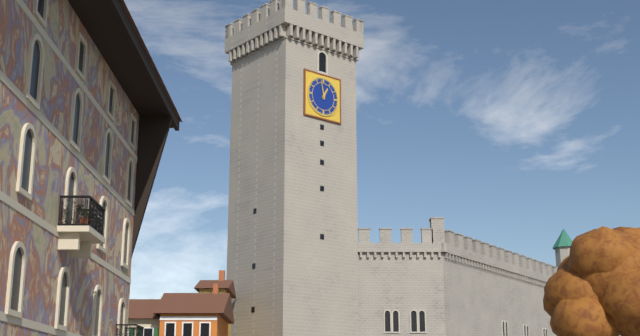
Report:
12,58
